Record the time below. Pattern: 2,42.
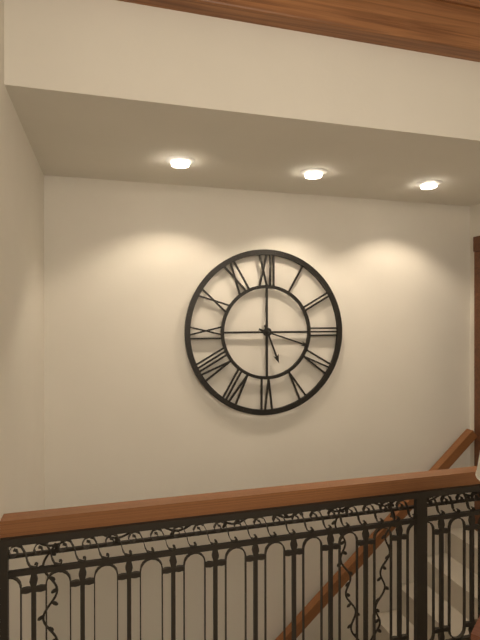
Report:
5,18
